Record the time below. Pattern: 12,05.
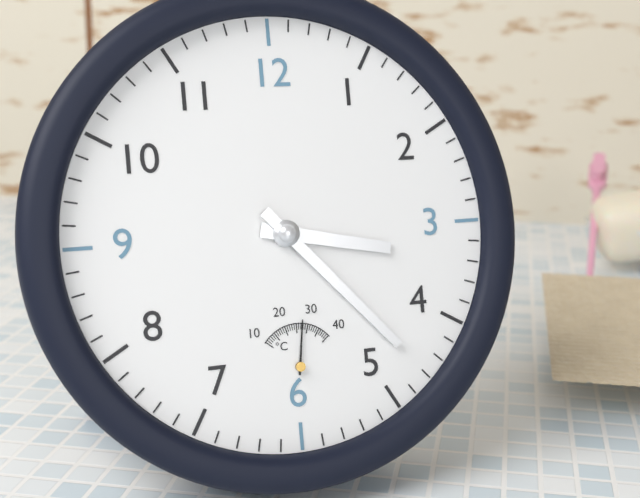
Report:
3,23
